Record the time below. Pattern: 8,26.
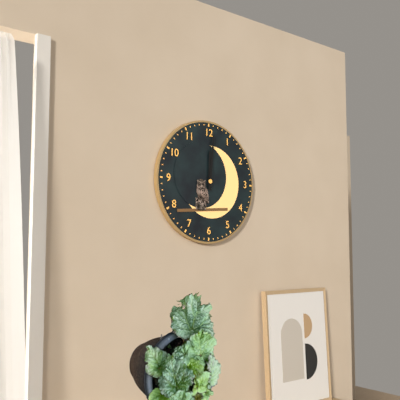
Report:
12,01
